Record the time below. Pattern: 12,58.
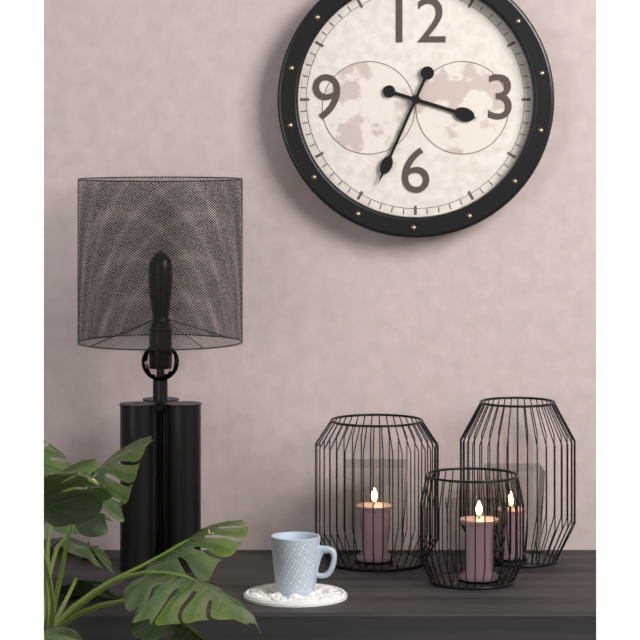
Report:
3,34
